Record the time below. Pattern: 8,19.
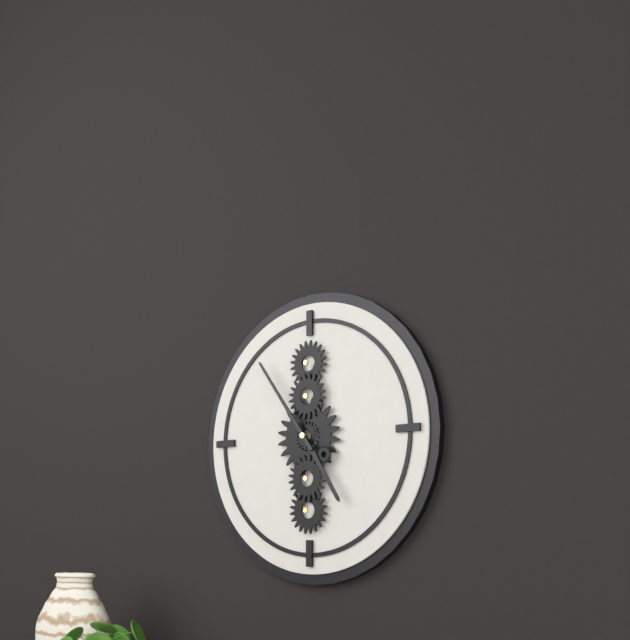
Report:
4,54
